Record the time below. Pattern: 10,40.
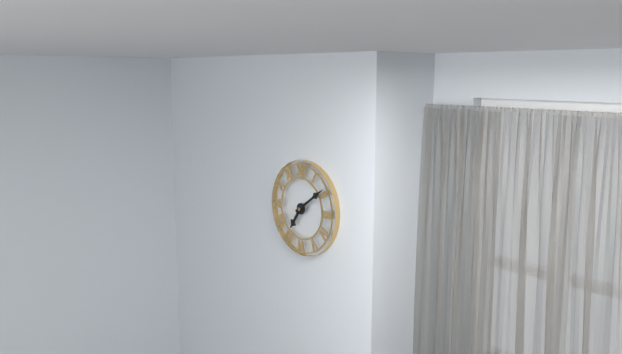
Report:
7,09
